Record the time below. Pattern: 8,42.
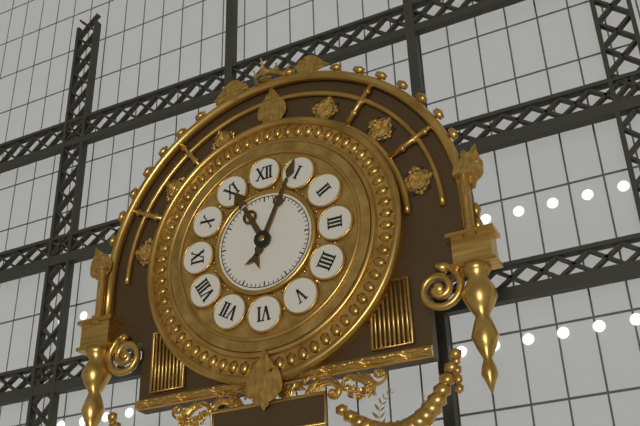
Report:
11,04
